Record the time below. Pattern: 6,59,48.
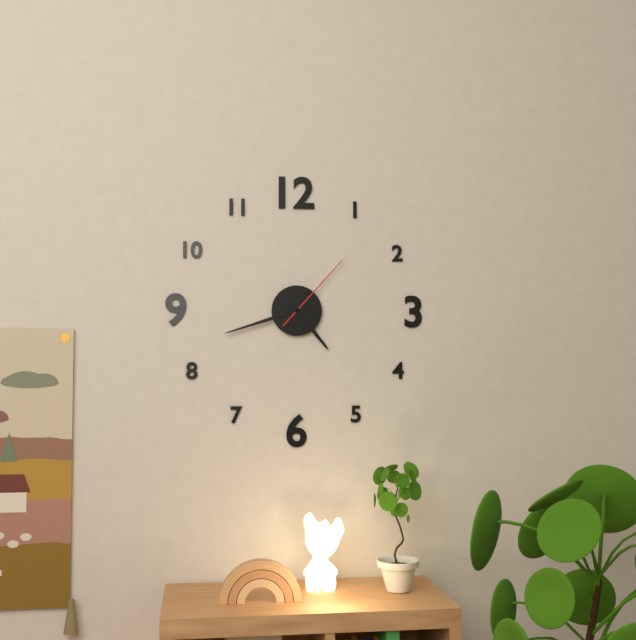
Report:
4,42,07
